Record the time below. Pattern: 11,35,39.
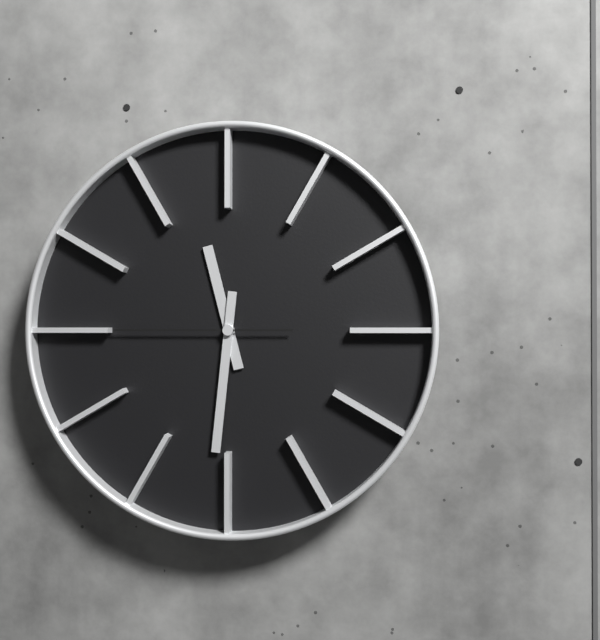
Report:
11,31,45
